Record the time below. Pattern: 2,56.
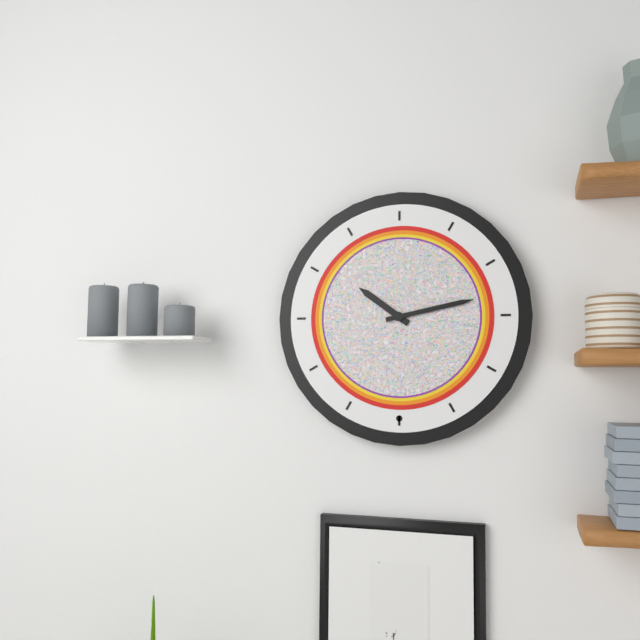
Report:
10,13
